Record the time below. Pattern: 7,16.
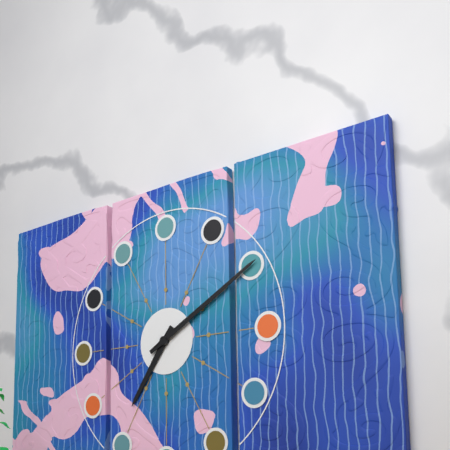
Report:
7,10
